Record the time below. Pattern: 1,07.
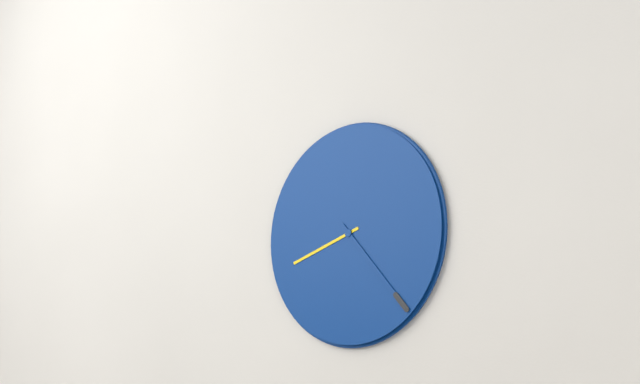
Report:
8,23
